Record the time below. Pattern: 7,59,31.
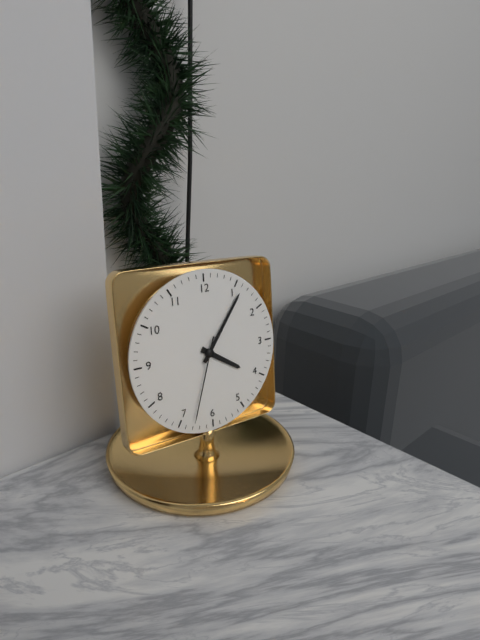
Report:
4,06,33
